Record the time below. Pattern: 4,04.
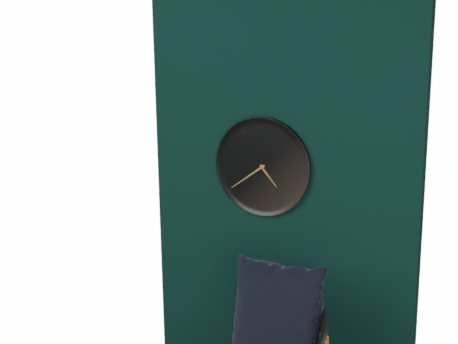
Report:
4,39
